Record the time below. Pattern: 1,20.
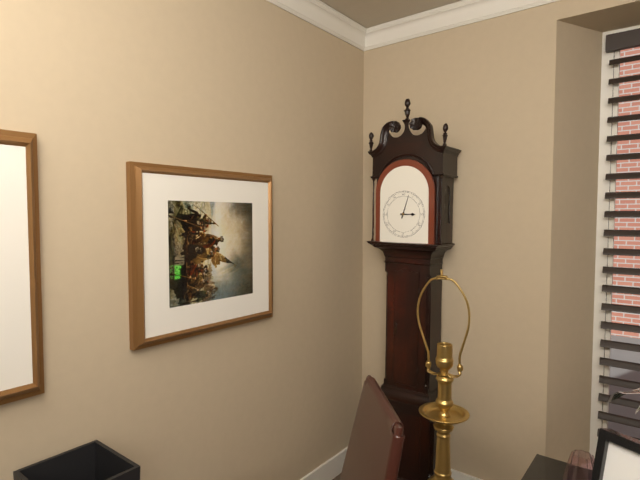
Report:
3,03
